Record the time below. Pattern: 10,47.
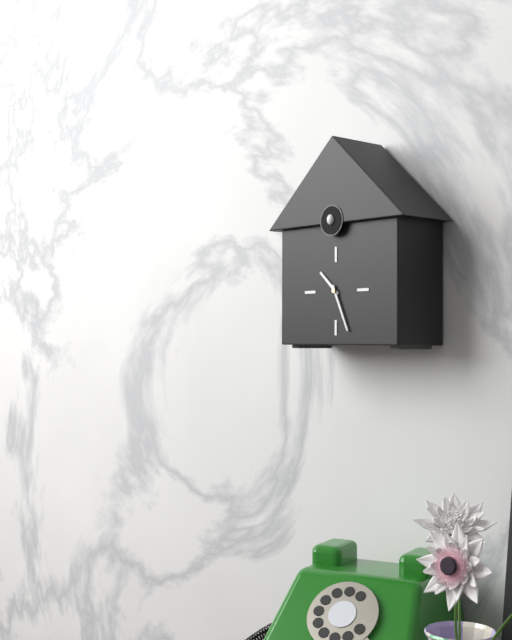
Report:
10,26
